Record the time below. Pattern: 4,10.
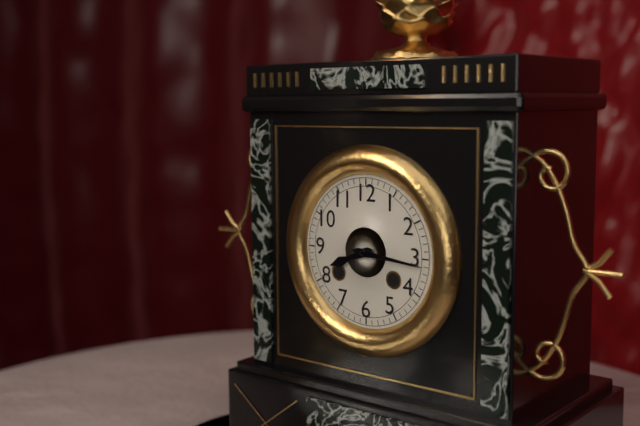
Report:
8,16
